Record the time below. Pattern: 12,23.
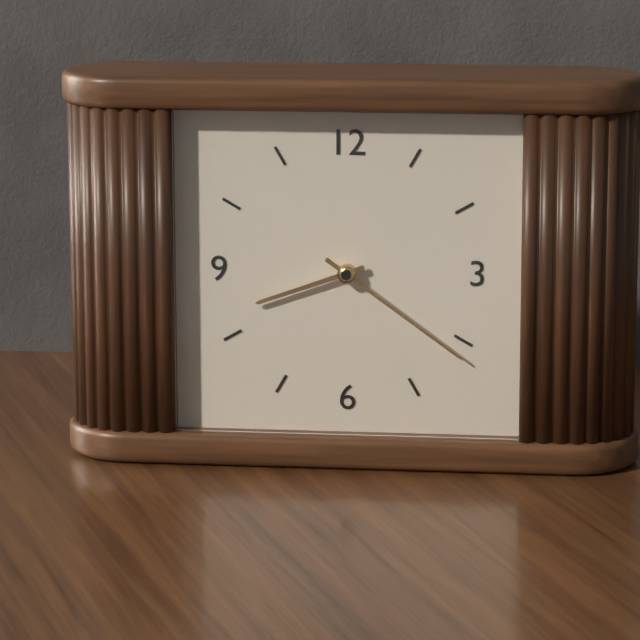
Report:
8,21
